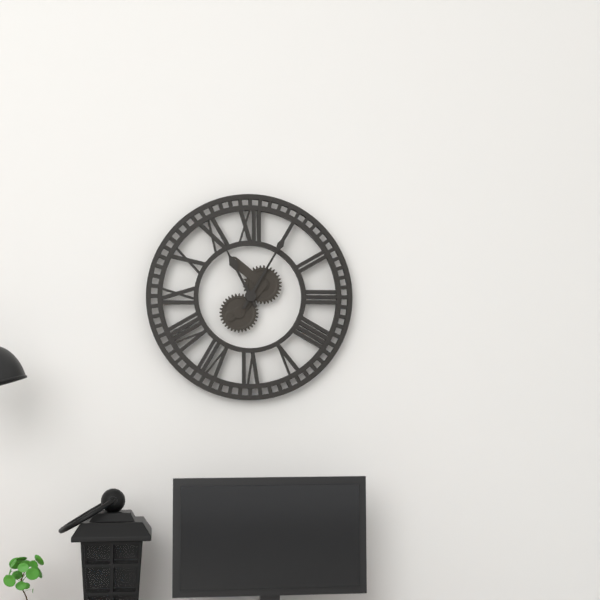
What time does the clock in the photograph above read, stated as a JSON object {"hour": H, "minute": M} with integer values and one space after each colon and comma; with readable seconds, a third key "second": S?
{"hour": 11, "minute": 5}
